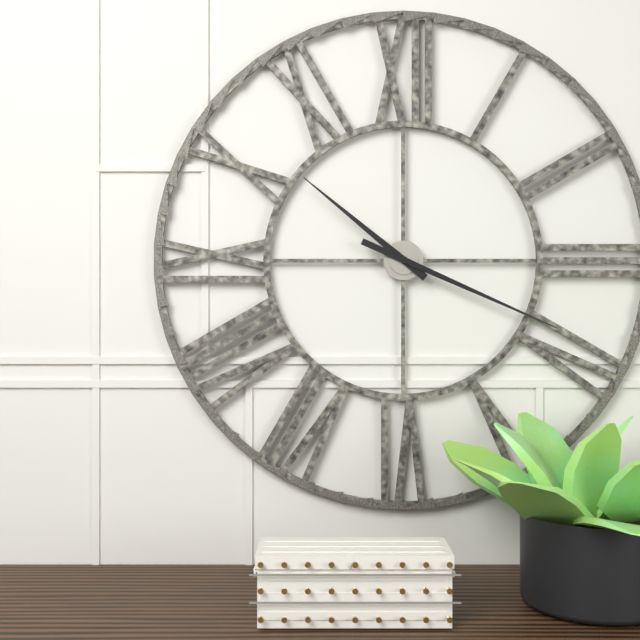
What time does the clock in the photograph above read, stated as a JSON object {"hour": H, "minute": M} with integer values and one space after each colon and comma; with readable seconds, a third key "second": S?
{"hour": 10, "minute": 19}
